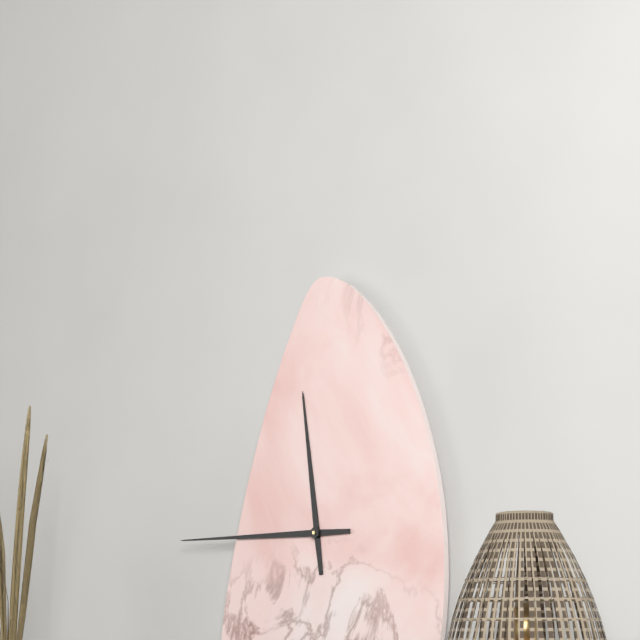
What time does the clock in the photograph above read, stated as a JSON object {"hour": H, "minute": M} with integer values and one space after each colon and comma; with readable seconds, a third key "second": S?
{"hour": 11, "minute": 45}
